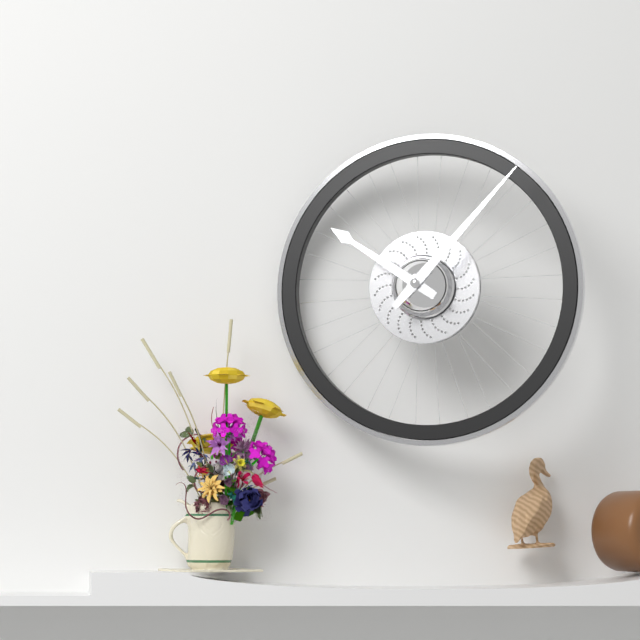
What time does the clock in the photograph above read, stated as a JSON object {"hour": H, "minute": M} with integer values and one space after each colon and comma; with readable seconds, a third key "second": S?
{"hour": 10, "minute": 7}
